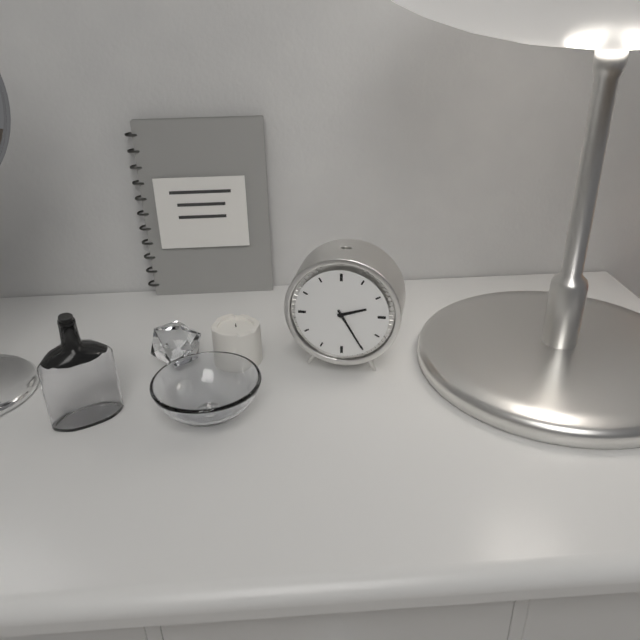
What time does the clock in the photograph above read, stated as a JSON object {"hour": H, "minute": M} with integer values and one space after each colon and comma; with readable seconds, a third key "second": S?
{"hour": 2, "minute": 25}
